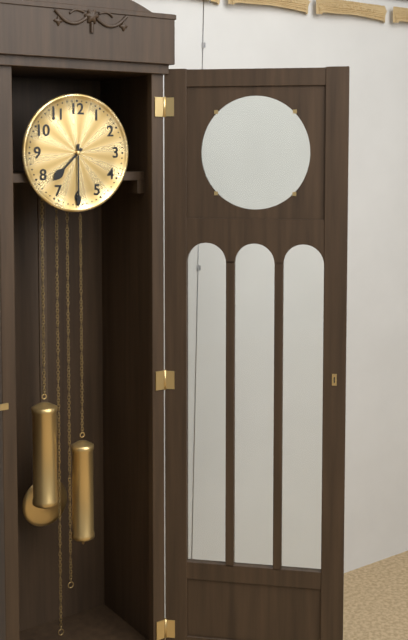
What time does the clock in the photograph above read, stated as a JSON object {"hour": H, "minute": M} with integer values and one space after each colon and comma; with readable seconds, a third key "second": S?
{"hour": 7, "minute": 30}
